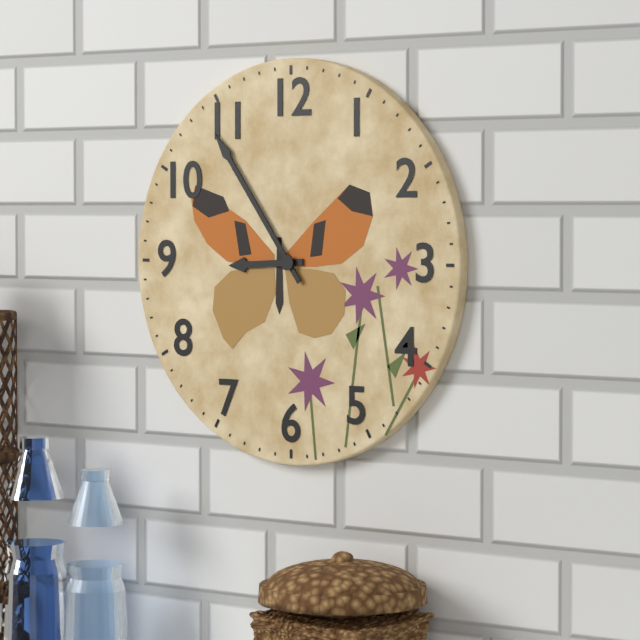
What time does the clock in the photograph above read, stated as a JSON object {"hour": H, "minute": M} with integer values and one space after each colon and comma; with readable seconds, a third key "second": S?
{"hour": 8, "minute": 54}
